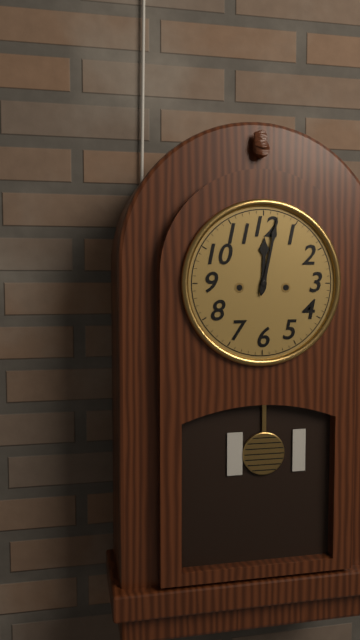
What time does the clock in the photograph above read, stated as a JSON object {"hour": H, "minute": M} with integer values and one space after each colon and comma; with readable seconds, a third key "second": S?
{"hour": 12, "minute": 2}
